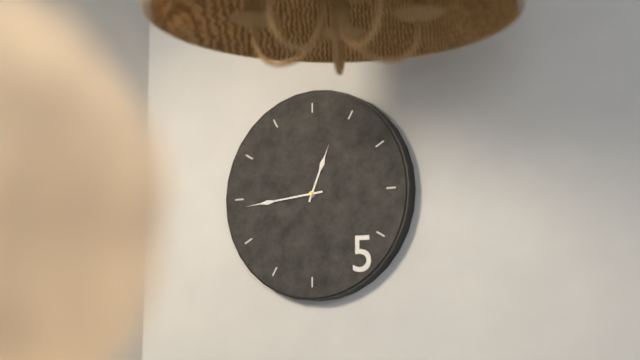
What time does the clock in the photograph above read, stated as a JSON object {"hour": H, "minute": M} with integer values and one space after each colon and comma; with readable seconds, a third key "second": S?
{"hour": 12, "minute": 44}
